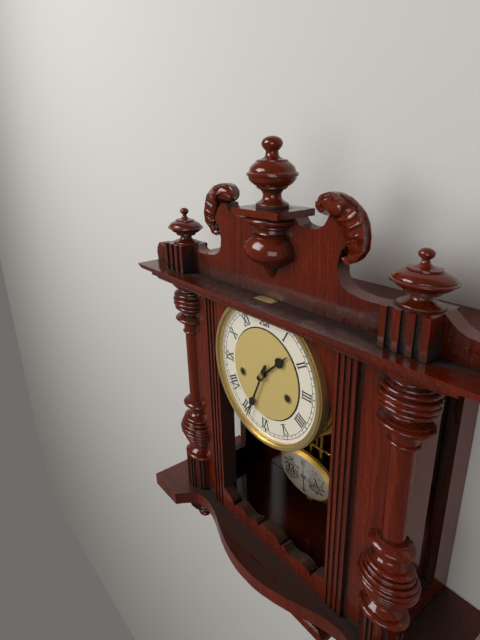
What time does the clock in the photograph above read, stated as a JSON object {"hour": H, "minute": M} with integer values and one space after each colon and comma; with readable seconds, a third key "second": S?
{"hour": 1, "minute": 34}
